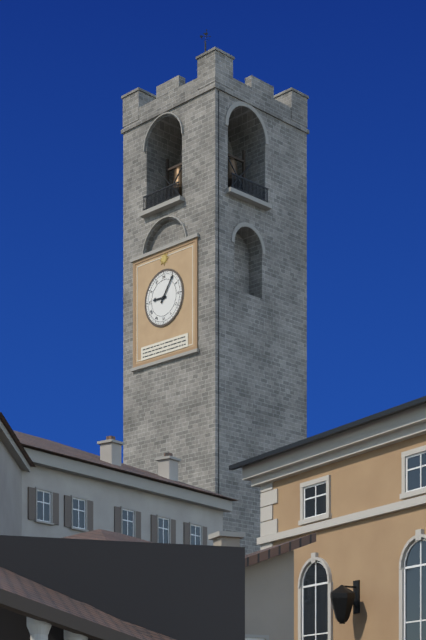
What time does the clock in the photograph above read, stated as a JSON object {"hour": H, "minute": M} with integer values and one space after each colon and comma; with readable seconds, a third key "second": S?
{"hour": 9, "minute": 6}
